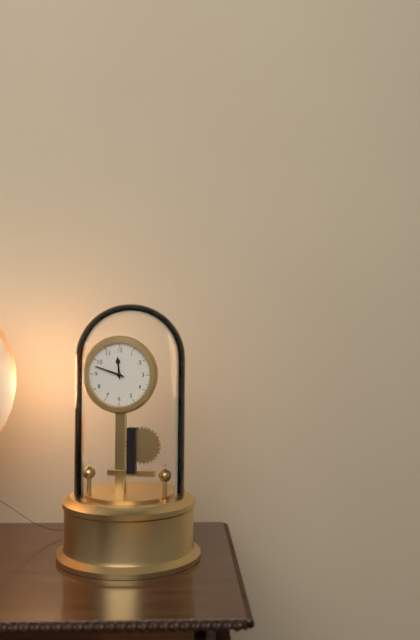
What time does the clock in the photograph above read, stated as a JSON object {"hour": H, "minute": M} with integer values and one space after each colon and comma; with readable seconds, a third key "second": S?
{"hour": 11, "minute": 48}
